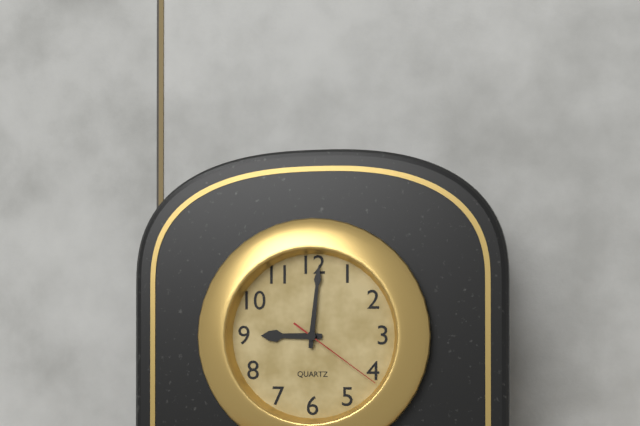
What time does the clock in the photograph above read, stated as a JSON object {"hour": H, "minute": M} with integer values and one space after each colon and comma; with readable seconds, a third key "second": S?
{"hour": 9, "minute": 1, "second": 21}
